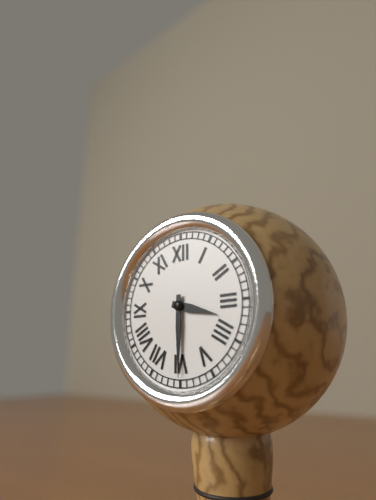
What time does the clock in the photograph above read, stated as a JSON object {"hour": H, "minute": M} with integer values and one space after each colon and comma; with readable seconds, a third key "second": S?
{"hour": 3, "minute": 30}
